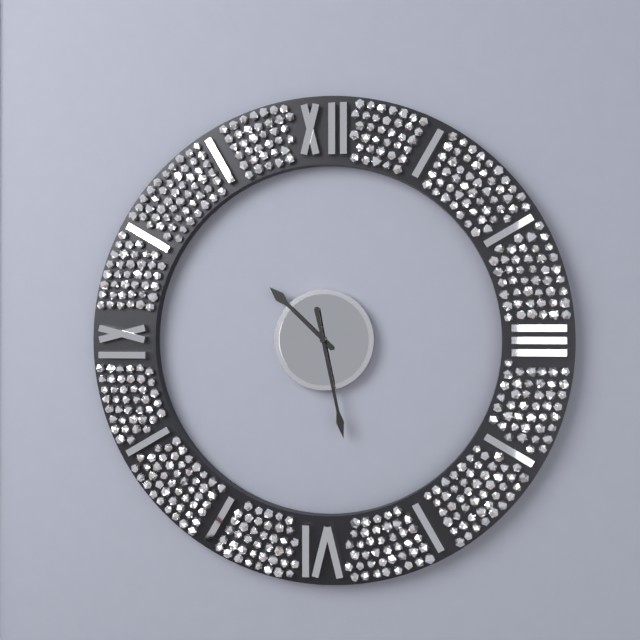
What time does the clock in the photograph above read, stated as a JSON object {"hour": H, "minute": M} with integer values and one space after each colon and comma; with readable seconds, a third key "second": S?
{"hour": 10, "minute": 28}
